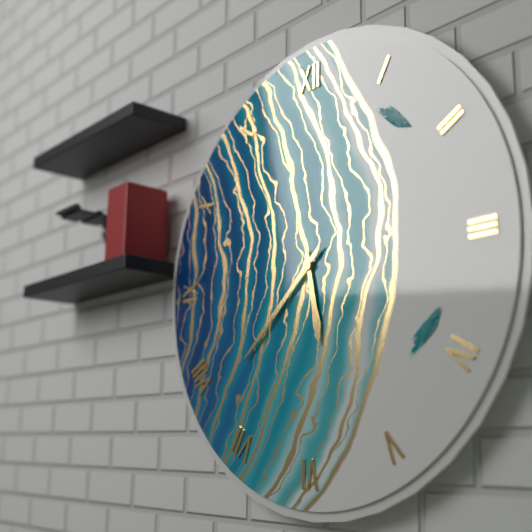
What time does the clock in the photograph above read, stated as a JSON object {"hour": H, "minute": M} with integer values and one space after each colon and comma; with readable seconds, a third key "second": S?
{"hour": 5, "minute": 38}
